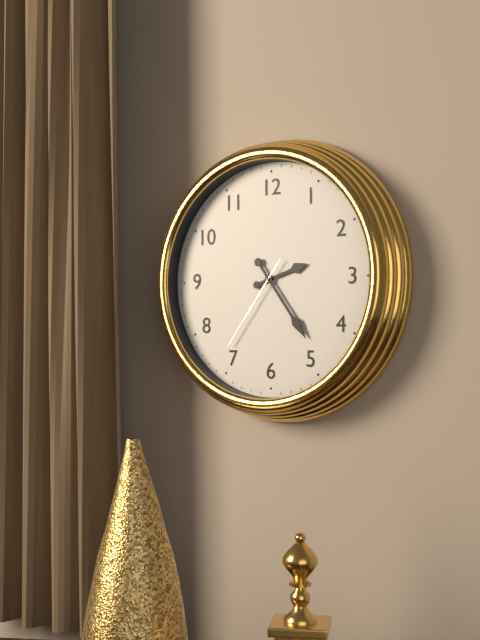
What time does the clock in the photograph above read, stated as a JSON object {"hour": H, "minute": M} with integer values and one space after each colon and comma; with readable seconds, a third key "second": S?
{"hour": 2, "minute": 24, "second": 36}
